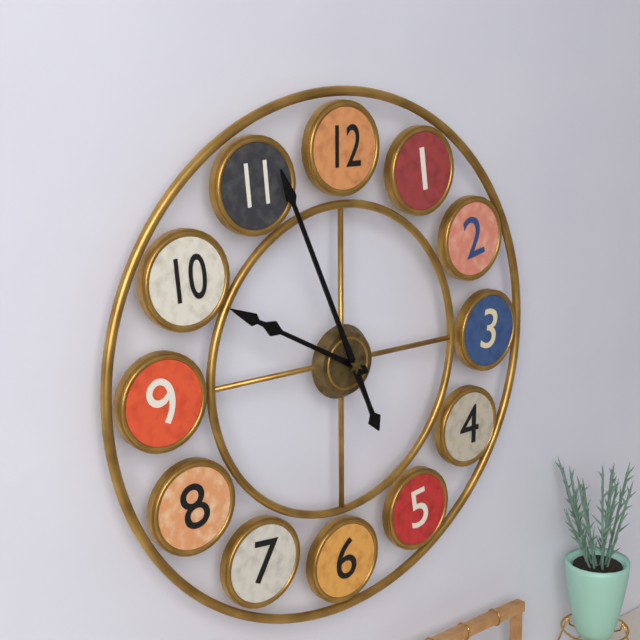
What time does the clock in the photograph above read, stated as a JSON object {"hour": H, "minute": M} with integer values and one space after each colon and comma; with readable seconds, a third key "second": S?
{"hour": 9, "minute": 56}
